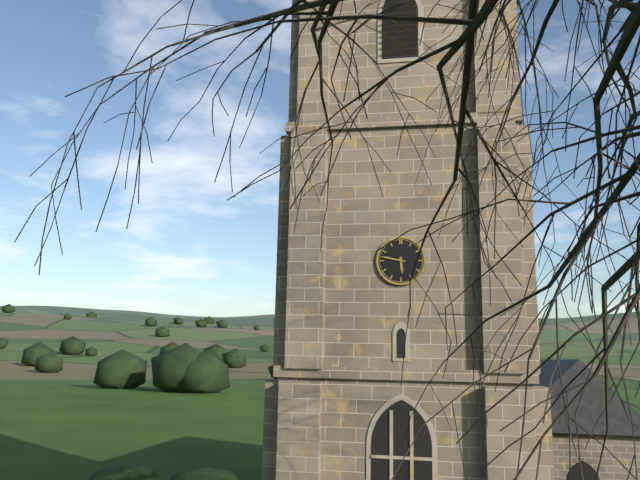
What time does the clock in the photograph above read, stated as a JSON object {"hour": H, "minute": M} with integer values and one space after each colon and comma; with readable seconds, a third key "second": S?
{"hour": 5, "minute": 47}
